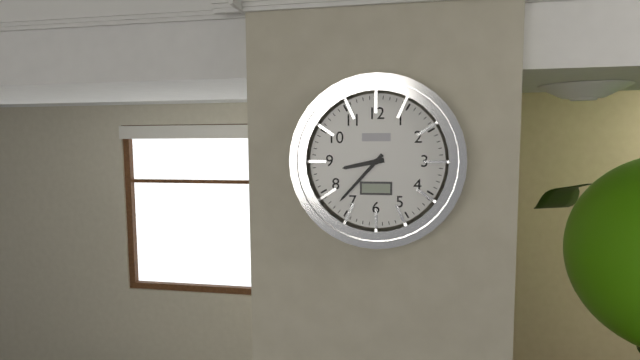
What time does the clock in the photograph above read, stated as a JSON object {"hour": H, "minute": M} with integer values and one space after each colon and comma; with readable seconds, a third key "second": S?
{"hour": 8, "minute": 37}
